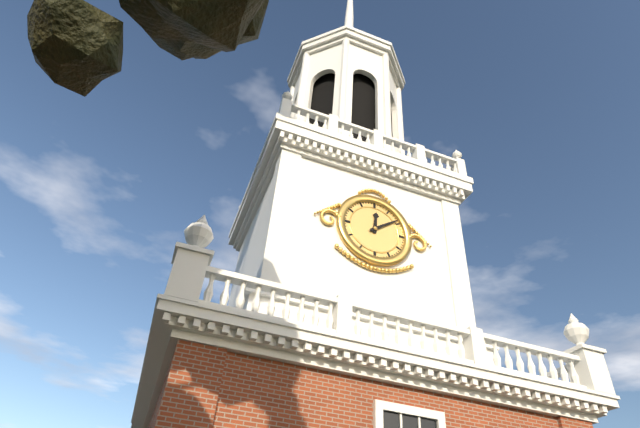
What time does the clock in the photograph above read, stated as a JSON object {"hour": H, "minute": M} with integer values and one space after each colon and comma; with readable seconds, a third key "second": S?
{"hour": 12, "minute": 9}
